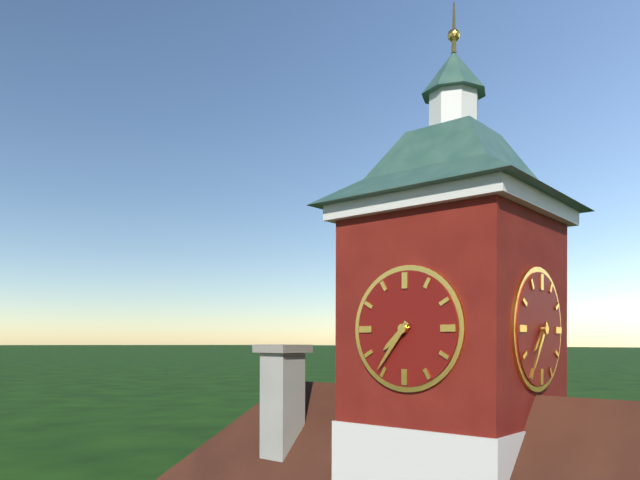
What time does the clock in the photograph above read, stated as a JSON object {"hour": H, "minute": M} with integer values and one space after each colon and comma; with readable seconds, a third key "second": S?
{"hour": 7, "minute": 36}
